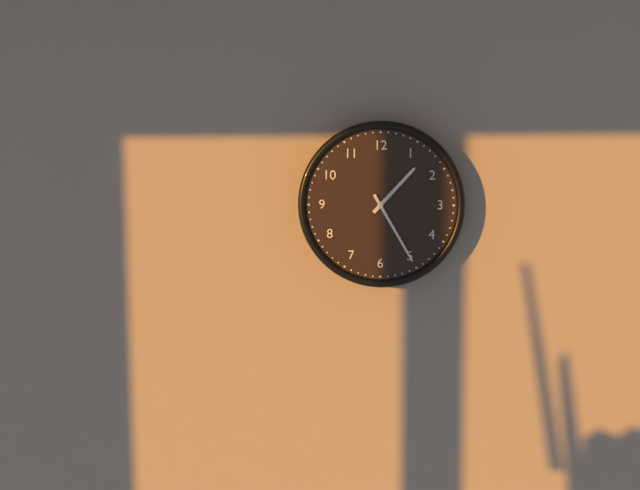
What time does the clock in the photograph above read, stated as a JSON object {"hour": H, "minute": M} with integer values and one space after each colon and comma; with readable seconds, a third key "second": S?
{"hour": 1, "minute": 25}
